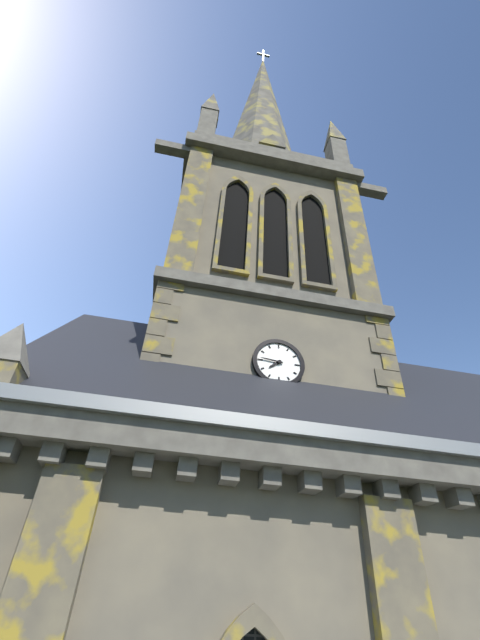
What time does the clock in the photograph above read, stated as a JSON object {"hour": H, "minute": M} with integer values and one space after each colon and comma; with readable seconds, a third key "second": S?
{"hour": 7, "minute": 46}
